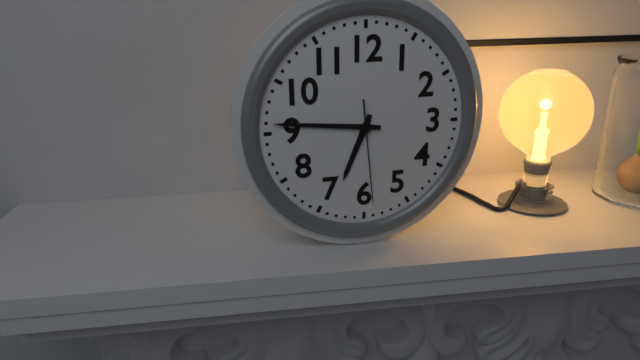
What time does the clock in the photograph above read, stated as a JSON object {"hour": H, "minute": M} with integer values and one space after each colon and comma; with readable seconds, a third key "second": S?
{"hour": 6, "minute": 46, "second": 29}
